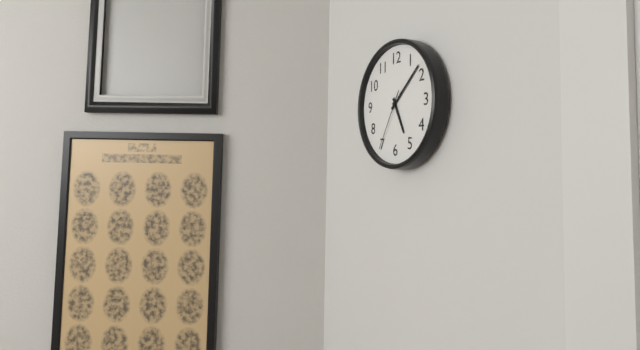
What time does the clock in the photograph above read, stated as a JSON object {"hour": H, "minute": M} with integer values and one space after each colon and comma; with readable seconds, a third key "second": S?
{"hour": 5, "minute": 8, "second": 35}
